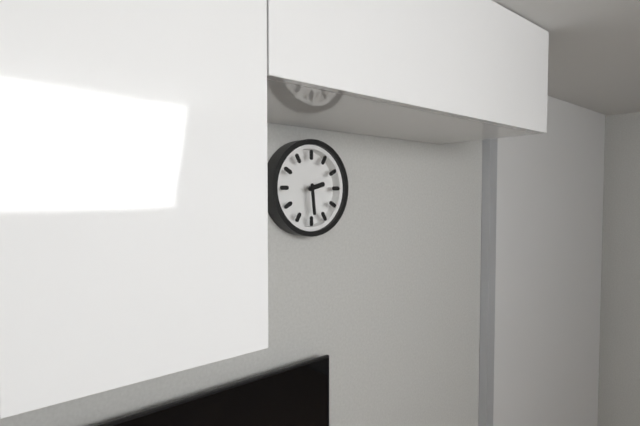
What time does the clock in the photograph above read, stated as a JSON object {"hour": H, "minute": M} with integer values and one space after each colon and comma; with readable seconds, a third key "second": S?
{"hour": 2, "minute": 29}
